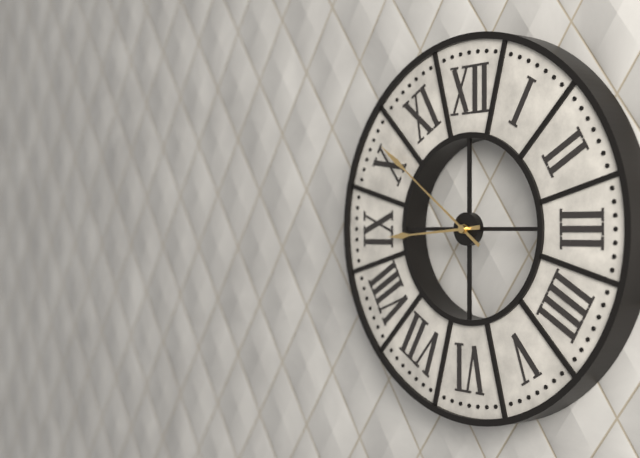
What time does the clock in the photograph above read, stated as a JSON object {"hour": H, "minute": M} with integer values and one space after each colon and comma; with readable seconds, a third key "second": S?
{"hour": 8, "minute": 51}
